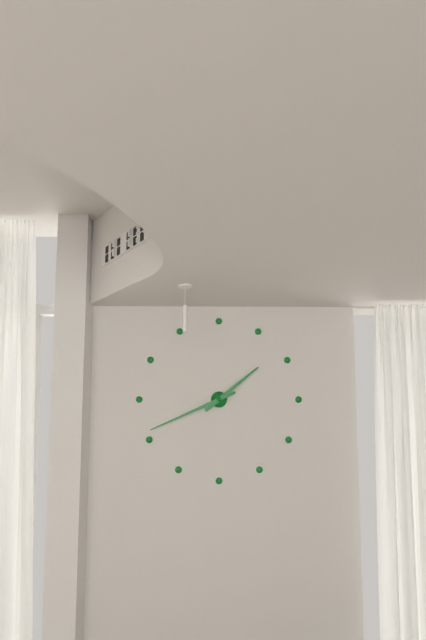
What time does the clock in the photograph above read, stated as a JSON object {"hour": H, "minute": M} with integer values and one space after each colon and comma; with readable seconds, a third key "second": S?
{"hour": 1, "minute": 41}
